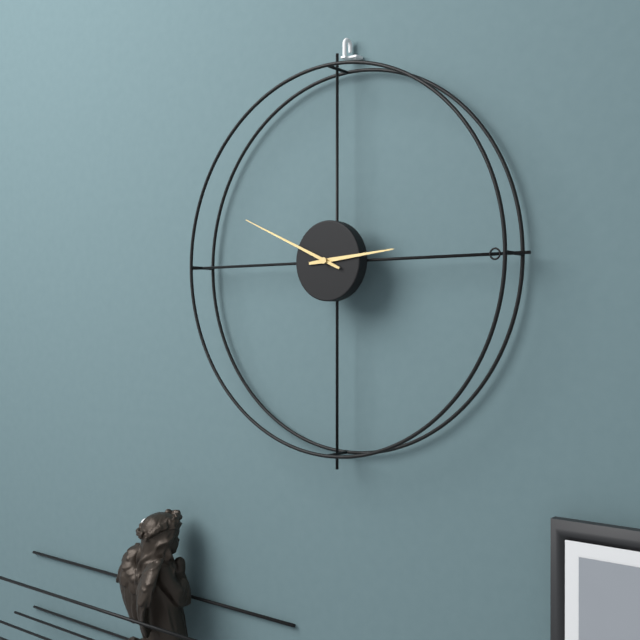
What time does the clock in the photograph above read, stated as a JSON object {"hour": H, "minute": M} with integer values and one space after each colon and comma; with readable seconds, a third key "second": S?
{"hour": 2, "minute": 49}
